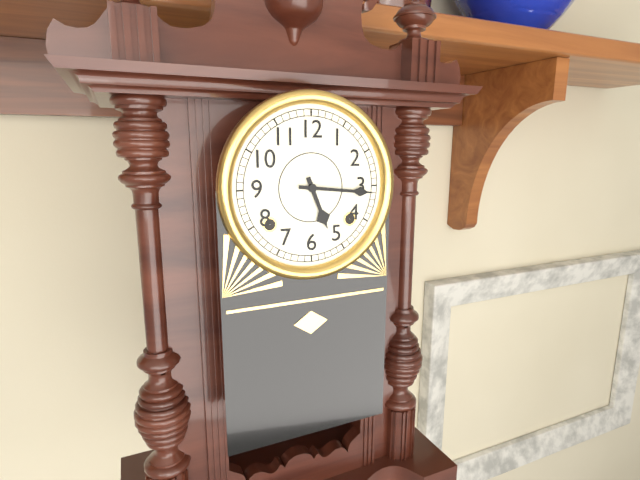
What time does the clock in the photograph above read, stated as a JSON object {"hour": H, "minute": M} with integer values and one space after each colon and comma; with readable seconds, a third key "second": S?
{"hour": 5, "minute": 16}
